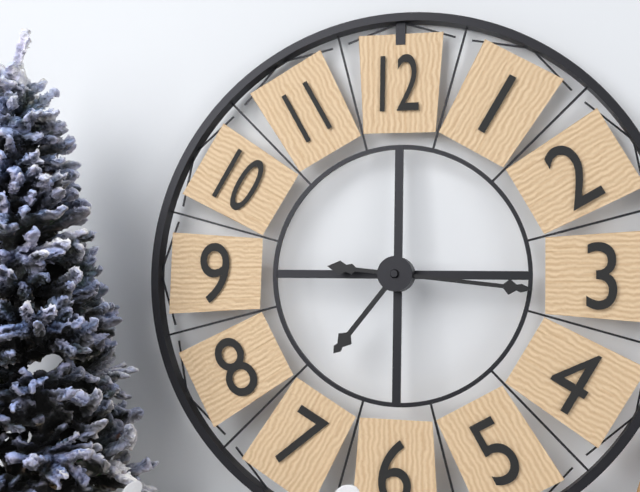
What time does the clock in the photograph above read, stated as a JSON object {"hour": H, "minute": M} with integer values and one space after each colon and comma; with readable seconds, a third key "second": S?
{"hour": 7, "minute": 16}
